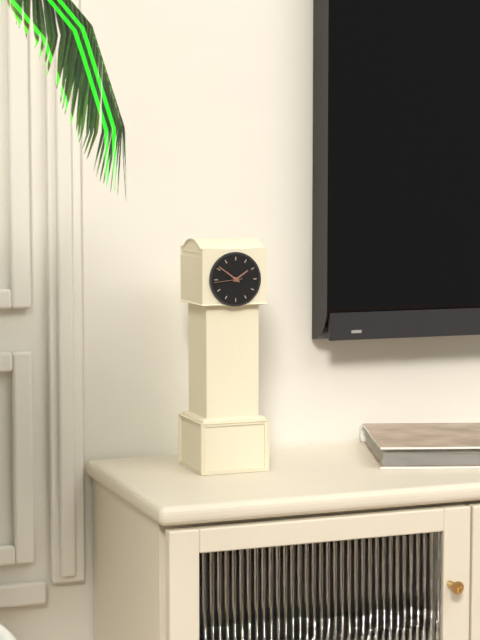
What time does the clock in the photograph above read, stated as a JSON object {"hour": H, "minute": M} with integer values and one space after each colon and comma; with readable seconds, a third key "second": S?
{"hour": 1, "minute": 51}
